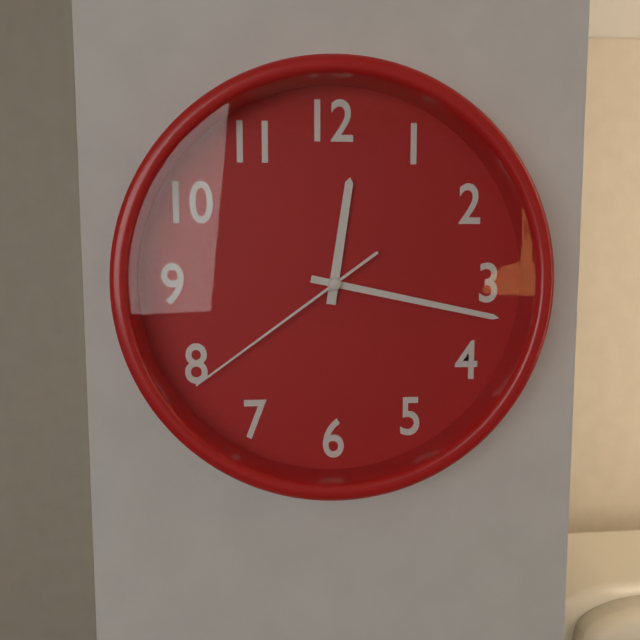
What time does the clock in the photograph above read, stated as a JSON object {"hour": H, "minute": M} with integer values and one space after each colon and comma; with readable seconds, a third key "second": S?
{"hour": 12, "minute": 17, "second": 39}
